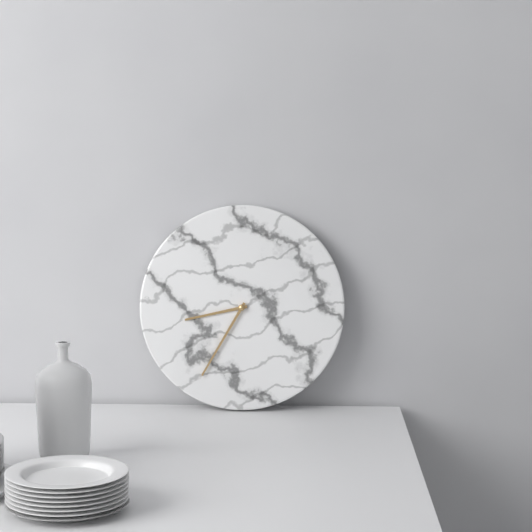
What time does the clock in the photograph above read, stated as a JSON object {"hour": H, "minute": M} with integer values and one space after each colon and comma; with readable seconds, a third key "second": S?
{"hour": 8, "minute": 35}
